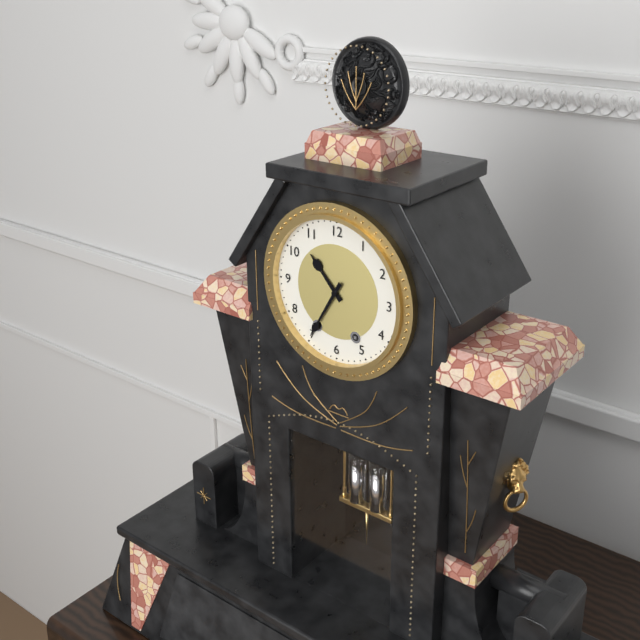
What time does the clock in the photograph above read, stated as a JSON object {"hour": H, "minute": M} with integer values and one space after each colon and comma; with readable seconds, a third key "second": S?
{"hour": 10, "minute": 35}
